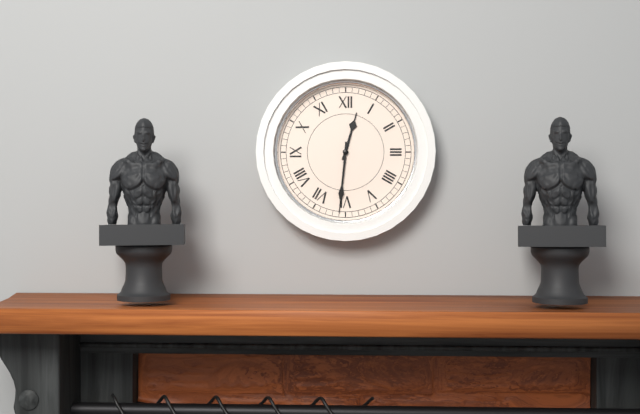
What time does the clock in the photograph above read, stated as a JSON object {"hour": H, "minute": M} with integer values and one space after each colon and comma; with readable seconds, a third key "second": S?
{"hour": 12, "minute": 31}
